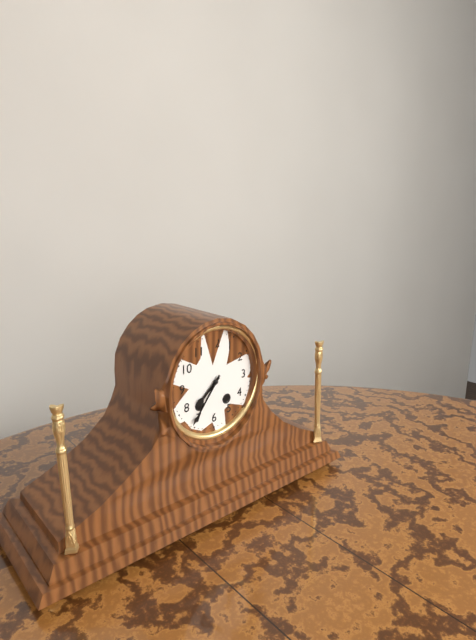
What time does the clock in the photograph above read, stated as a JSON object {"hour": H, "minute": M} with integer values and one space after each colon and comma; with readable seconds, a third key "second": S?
{"hour": 7, "minute": 36}
